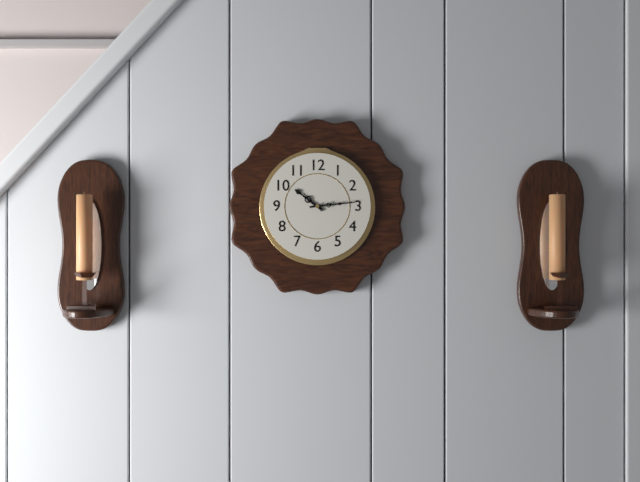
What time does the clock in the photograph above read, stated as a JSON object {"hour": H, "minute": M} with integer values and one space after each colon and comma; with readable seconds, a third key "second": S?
{"hour": 10, "minute": 14}
